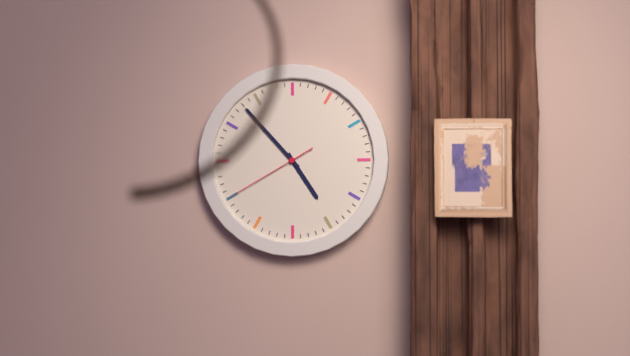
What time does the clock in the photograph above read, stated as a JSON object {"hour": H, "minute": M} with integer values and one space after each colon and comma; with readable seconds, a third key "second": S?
{"hour": 4, "minute": 53, "second": 40}
